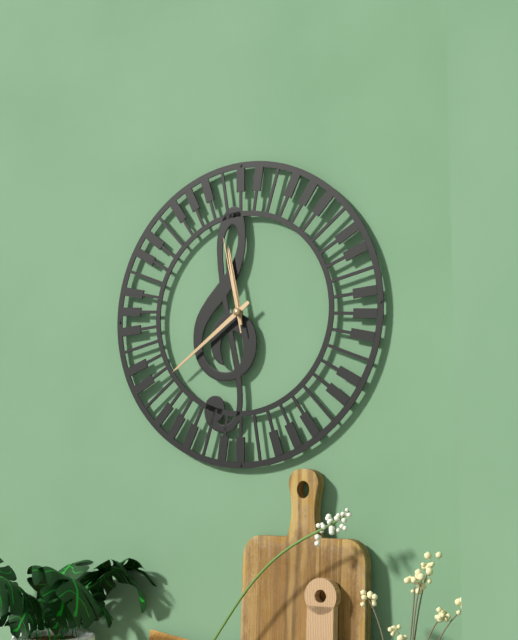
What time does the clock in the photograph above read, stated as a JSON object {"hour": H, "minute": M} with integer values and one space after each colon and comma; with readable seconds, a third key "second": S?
{"hour": 11, "minute": 39, "second": 58}
